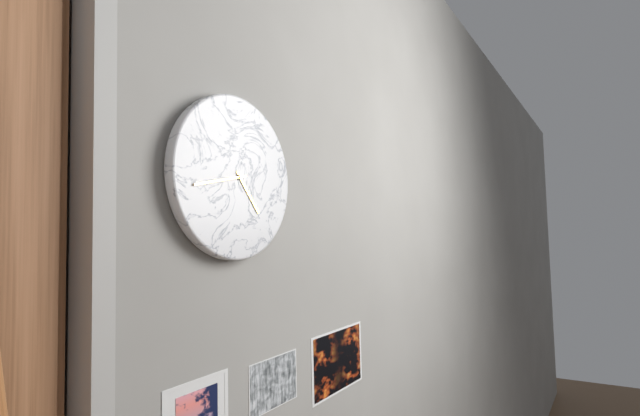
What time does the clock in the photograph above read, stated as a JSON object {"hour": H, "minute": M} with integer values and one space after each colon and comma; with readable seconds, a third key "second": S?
{"hour": 4, "minute": 43}
